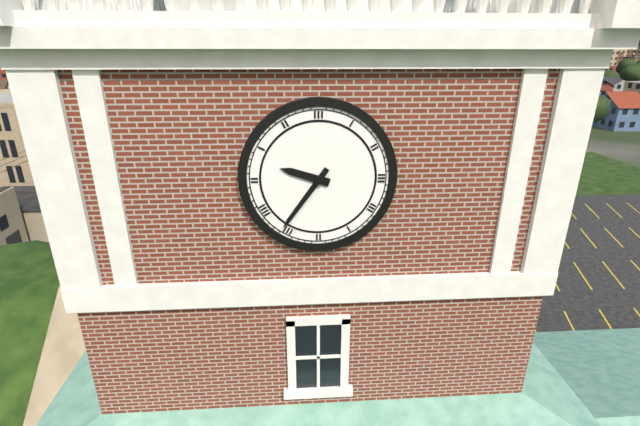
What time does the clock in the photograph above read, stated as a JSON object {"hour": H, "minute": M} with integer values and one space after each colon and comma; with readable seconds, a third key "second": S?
{"hour": 9, "minute": 36}
